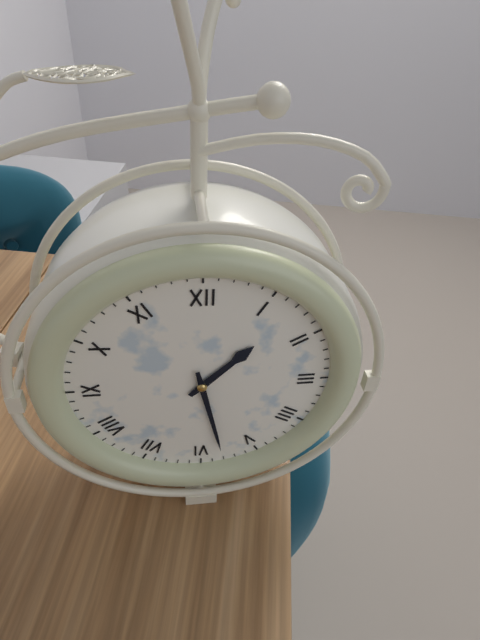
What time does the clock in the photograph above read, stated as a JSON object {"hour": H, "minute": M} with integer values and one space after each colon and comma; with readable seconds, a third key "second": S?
{"hour": 1, "minute": 28}
